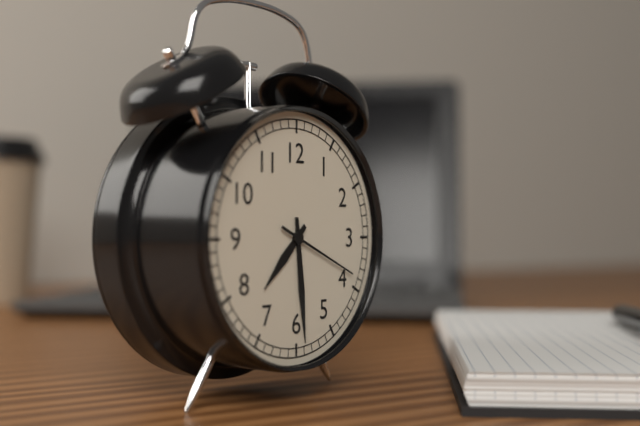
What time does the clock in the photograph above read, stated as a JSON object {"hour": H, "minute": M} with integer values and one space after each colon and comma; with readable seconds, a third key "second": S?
{"hour": 7, "minute": 29, "second": 19}
